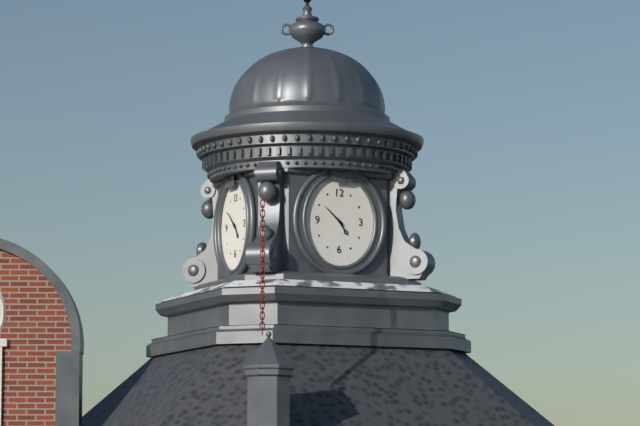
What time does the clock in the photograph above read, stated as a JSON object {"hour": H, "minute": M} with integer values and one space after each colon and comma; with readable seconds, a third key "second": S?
{"hour": 4, "minute": 52}
